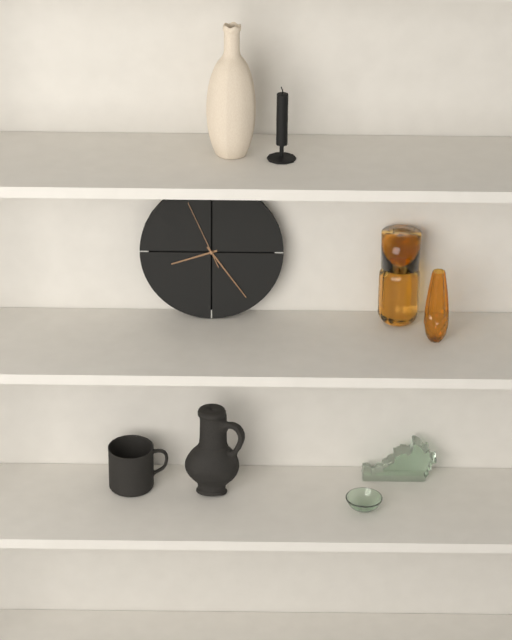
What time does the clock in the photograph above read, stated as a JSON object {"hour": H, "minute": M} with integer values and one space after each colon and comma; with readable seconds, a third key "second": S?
{"hour": 8, "minute": 24, "second": 56}
